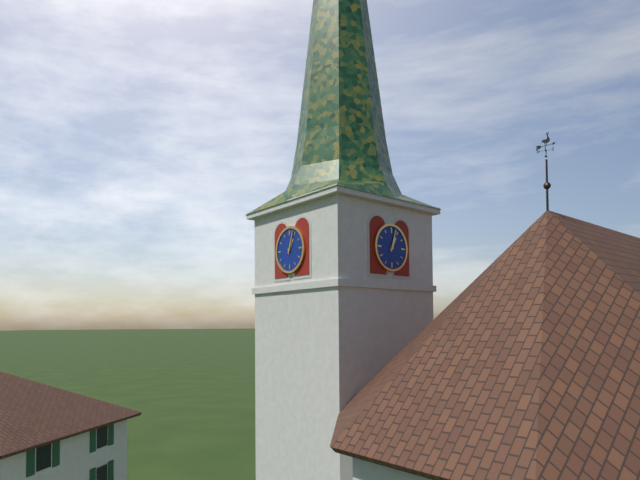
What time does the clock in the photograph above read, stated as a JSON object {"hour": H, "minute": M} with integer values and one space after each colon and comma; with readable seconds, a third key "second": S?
{"hour": 1, "minute": 3}
